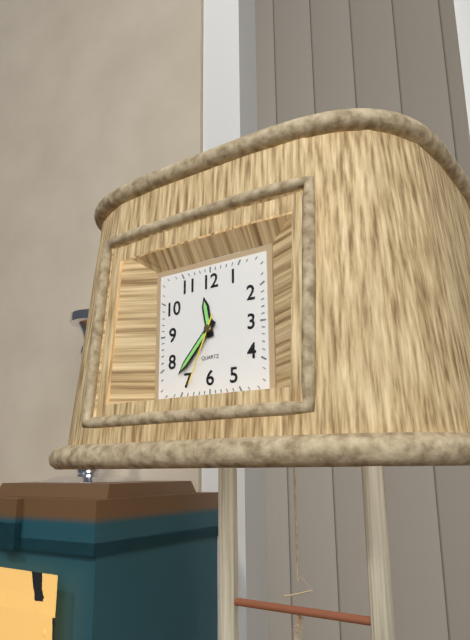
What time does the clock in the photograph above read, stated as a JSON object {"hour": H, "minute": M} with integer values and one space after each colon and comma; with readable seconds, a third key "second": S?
{"hour": 11, "minute": 37, "second": 34}
